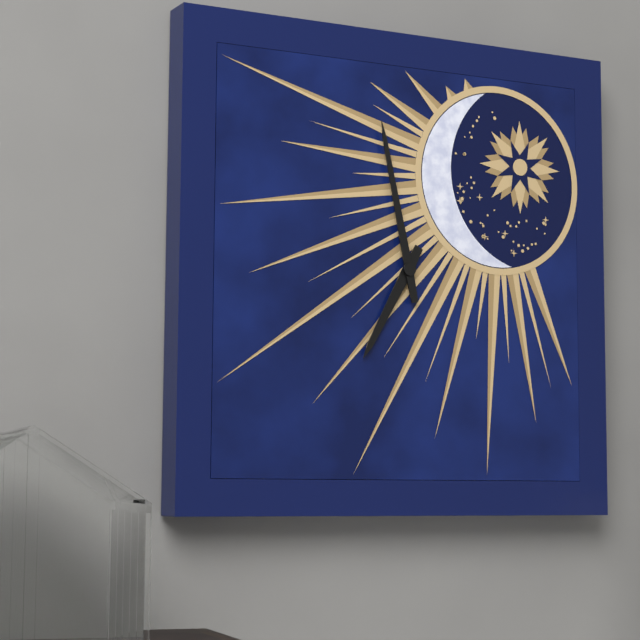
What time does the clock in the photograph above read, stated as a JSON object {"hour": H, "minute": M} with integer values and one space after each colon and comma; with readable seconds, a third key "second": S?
{"hour": 6, "minute": 58}
